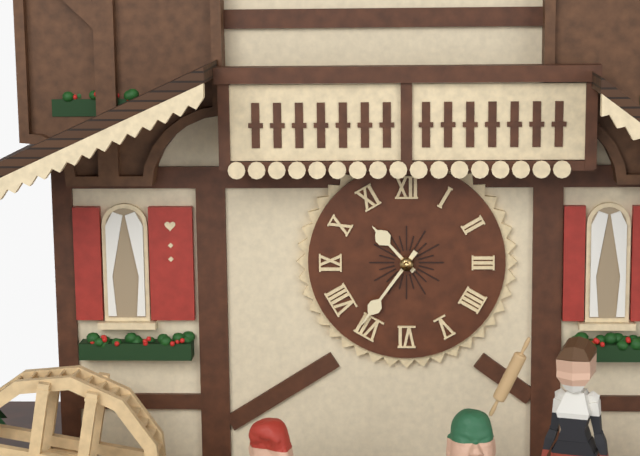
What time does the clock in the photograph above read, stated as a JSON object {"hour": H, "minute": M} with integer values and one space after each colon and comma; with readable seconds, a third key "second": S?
{"hour": 10, "minute": 36}
